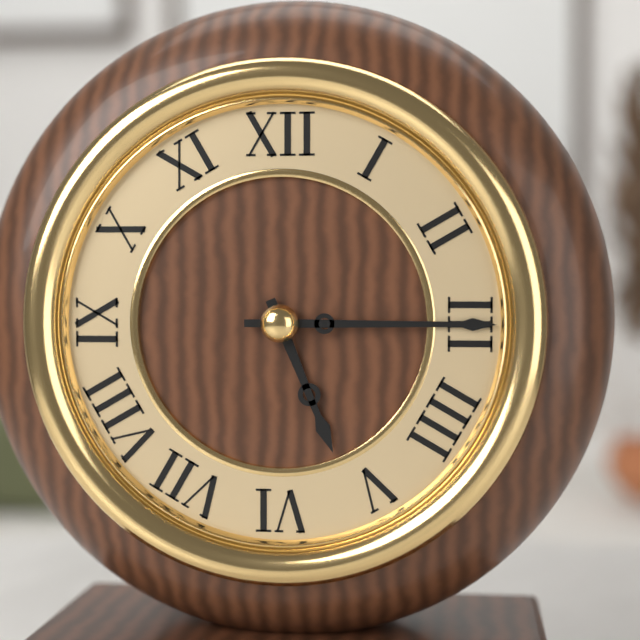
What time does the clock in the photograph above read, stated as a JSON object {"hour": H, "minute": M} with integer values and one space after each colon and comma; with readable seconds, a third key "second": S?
{"hour": 5, "minute": 15}
